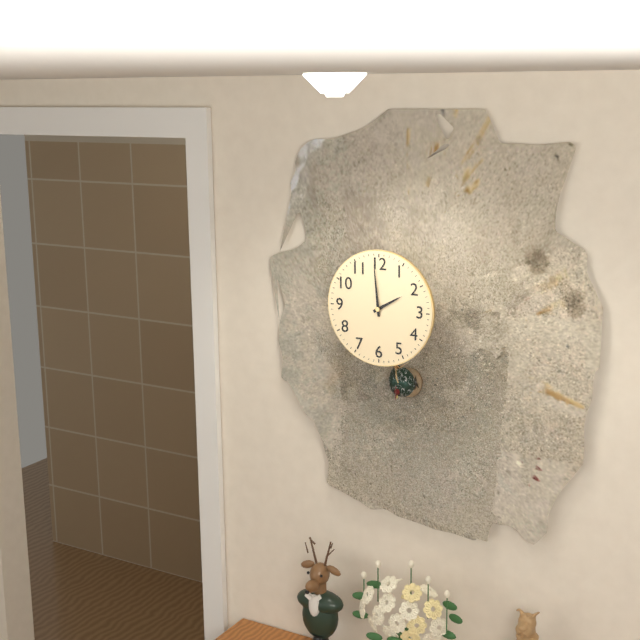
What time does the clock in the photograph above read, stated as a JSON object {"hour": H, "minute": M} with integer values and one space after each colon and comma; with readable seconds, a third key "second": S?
{"hour": 1, "minute": 59}
